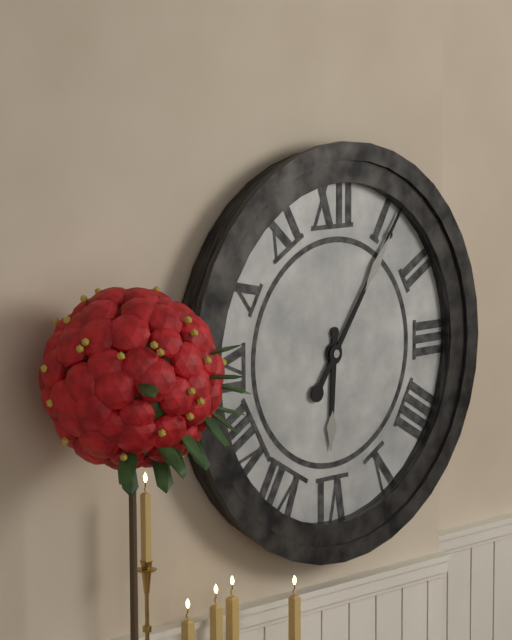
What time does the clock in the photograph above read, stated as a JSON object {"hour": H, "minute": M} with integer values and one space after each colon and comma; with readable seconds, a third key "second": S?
{"hour": 6, "minute": 6}
